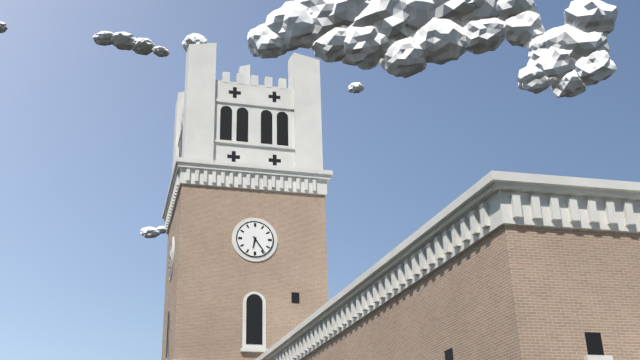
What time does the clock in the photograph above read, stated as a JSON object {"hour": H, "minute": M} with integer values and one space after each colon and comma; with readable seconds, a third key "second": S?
{"hour": 6, "minute": 24}
